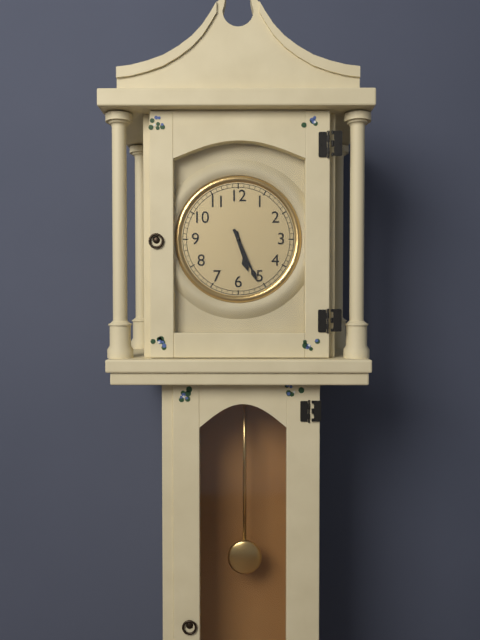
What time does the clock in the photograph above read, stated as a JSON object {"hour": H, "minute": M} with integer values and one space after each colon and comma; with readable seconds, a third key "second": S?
{"hour": 5, "minute": 26}
